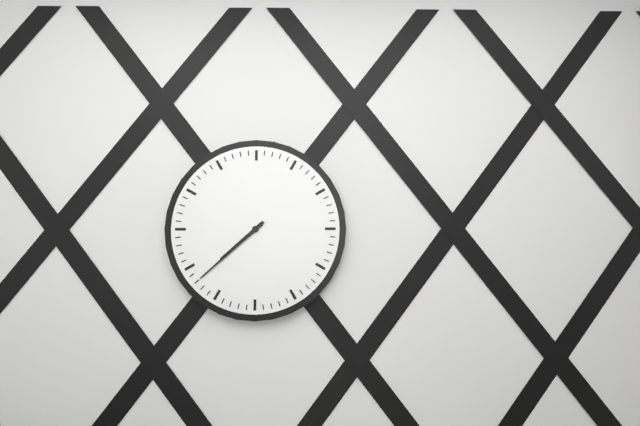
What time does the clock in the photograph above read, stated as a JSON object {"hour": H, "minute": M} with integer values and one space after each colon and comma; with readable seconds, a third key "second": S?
{"hour": 7, "minute": 38}
